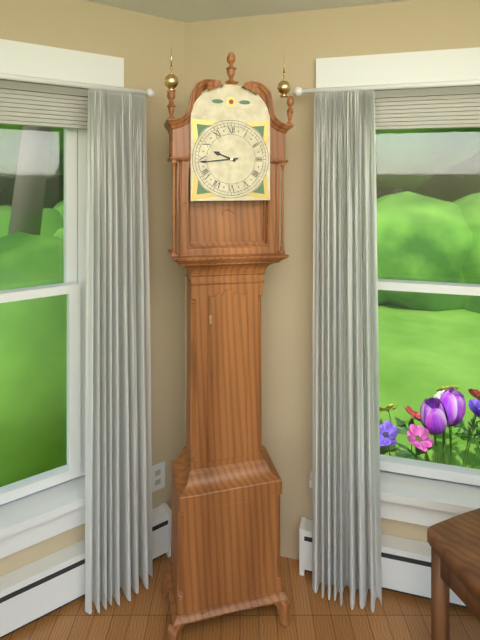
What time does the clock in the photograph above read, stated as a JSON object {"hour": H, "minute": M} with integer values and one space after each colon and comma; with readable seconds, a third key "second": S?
{"hour": 9, "minute": 44}
